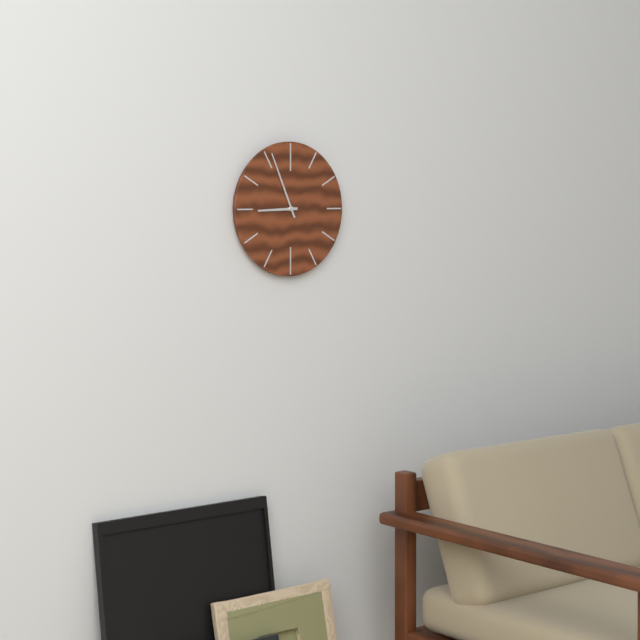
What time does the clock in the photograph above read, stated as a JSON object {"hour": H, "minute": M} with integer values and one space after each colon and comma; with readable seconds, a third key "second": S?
{"hour": 8, "minute": 56}
